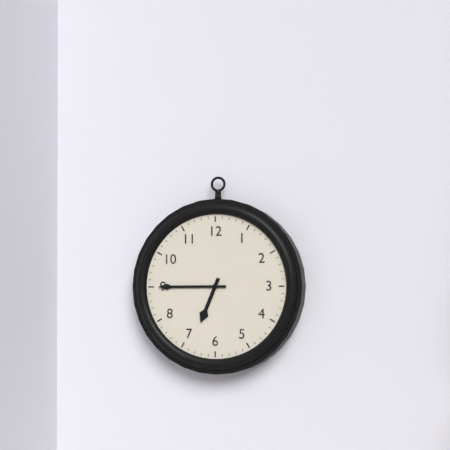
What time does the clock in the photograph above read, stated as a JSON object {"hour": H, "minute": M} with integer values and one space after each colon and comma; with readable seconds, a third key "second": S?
{"hour": 6, "minute": 45}
